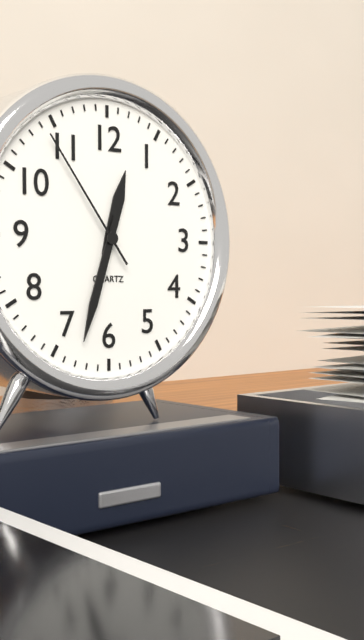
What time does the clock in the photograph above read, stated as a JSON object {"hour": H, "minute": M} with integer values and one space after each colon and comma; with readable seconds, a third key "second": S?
{"hour": 12, "minute": 33, "second": 54}
